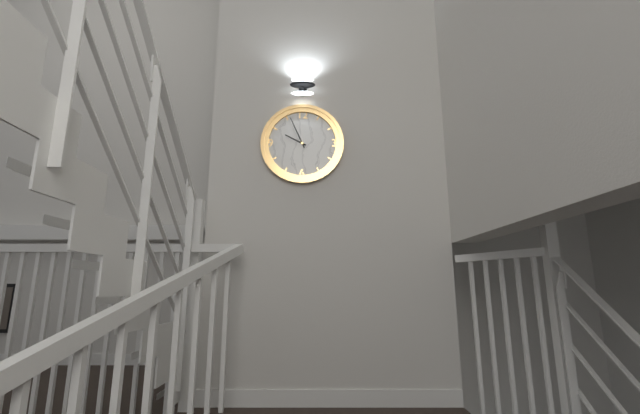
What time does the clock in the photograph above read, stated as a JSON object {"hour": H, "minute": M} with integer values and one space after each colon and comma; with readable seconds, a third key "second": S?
{"hour": 9, "minute": 56}
